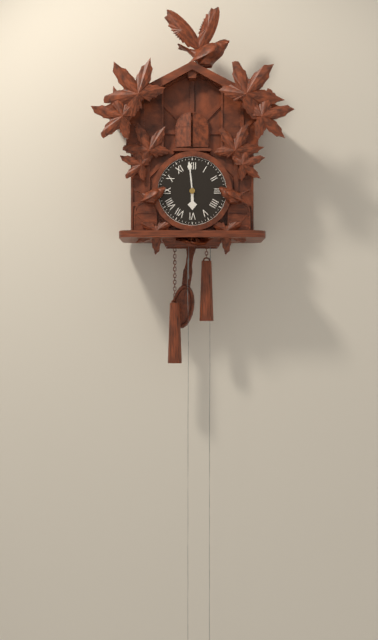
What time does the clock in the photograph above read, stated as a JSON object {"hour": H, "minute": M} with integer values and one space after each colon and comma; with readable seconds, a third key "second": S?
{"hour": 5, "minute": 59}
